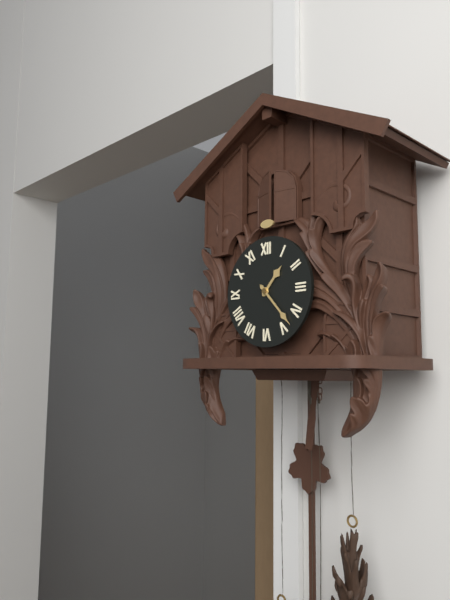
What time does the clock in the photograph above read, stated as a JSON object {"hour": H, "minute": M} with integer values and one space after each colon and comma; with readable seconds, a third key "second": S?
{"hour": 1, "minute": 23}
